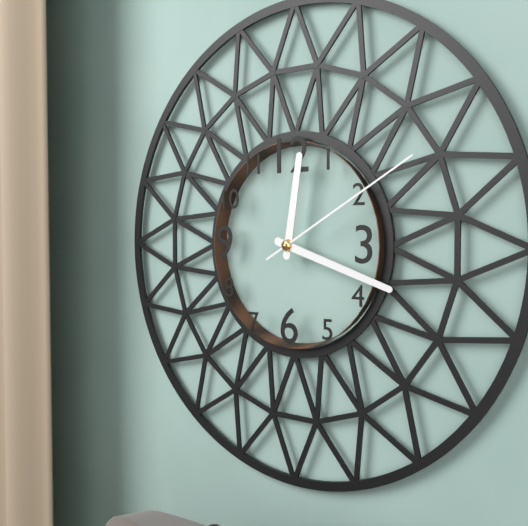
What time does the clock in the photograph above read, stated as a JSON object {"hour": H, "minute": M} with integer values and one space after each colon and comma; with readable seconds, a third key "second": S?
{"hour": 12, "minute": 18, "second": 10}
